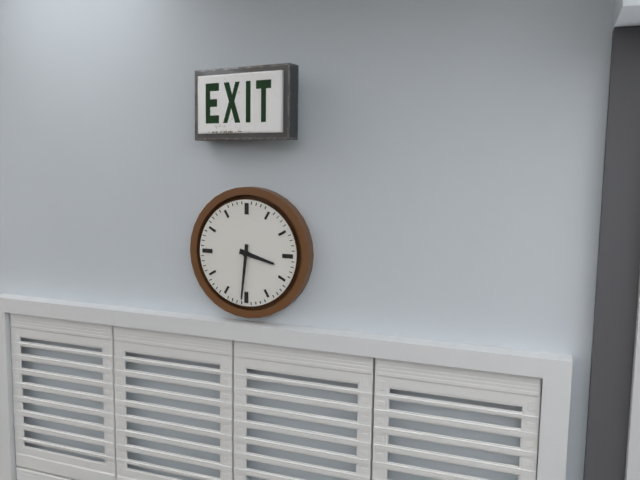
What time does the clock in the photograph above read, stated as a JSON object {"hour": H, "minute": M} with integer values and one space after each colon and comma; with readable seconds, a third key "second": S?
{"hour": 3, "minute": 31}
